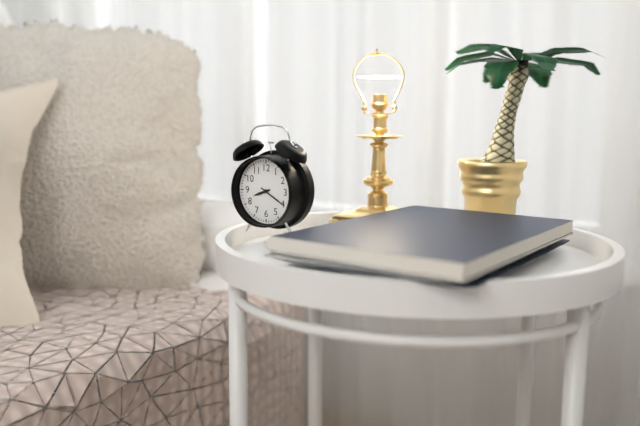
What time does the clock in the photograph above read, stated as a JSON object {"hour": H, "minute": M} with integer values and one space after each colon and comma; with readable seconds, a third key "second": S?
{"hour": 8, "minute": 20}
